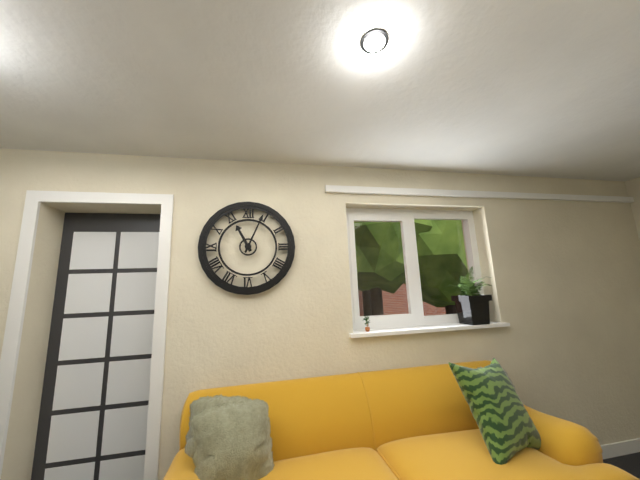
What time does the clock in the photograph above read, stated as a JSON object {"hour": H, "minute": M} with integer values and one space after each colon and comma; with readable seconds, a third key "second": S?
{"hour": 11, "minute": 4}
